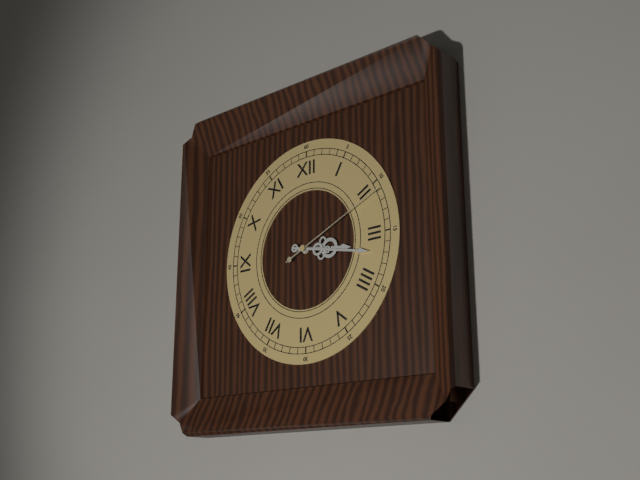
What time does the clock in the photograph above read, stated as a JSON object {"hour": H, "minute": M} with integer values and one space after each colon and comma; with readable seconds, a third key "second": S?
{"hour": 3, "minute": 17, "second": 11}
